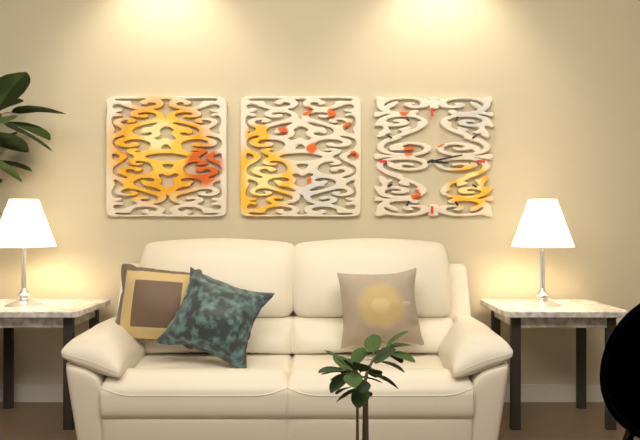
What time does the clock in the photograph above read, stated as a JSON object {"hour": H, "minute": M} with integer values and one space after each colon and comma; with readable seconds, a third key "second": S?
{"hour": 3, "minute": 13}
